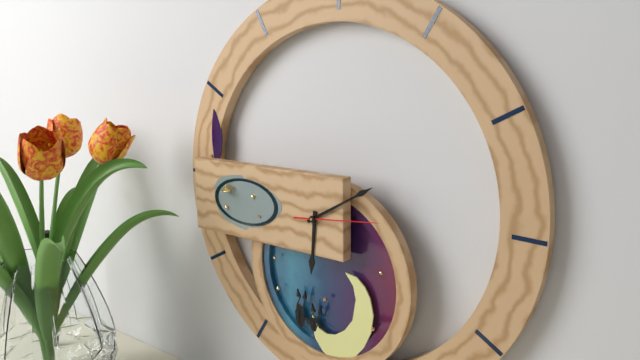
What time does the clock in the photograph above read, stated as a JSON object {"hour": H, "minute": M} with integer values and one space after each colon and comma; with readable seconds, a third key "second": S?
{"hour": 6, "minute": 10}
